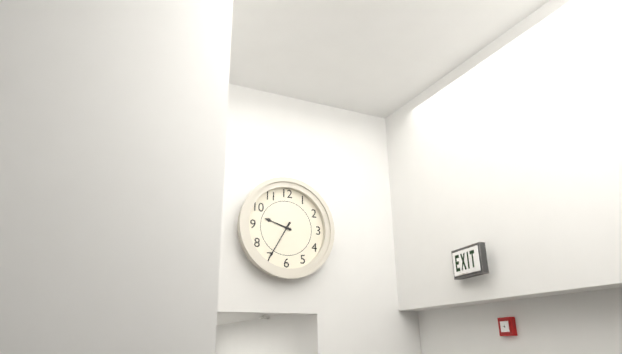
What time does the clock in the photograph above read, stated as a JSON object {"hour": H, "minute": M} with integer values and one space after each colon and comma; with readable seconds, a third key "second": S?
{"hour": 9, "minute": 35}
